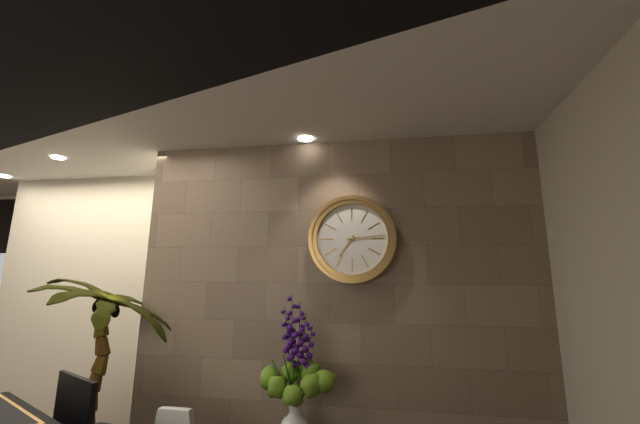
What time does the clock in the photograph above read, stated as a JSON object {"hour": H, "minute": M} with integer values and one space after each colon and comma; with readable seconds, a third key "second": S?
{"hour": 7, "minute": 14}
